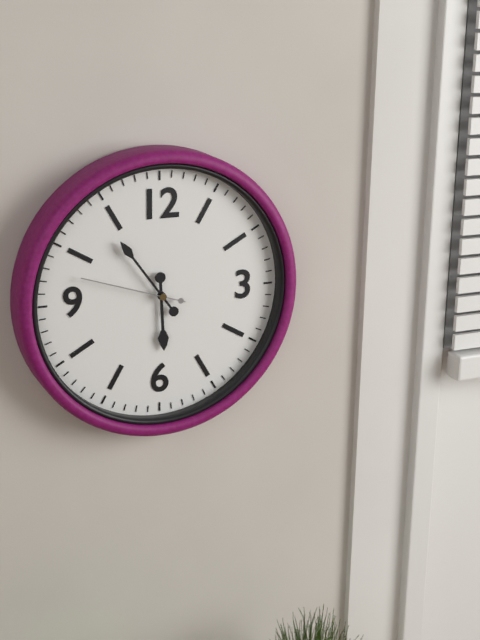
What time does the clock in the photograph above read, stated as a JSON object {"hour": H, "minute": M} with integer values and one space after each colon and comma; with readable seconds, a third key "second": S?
{"hour": 5, "minute": 54, "second": 48}
